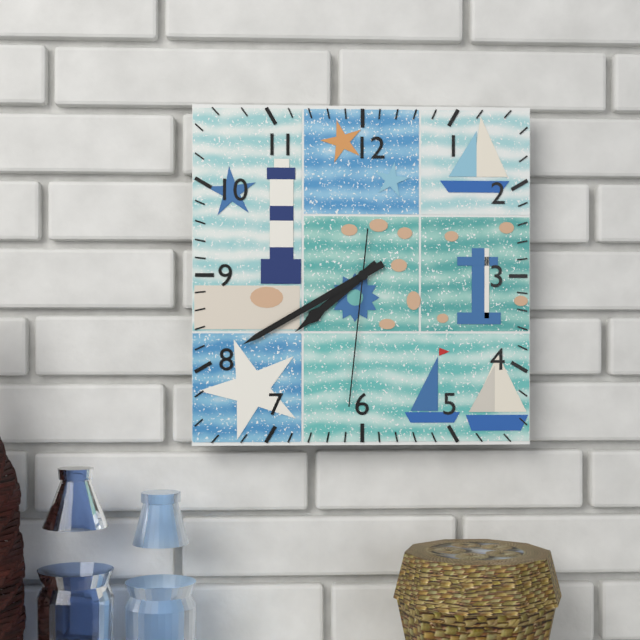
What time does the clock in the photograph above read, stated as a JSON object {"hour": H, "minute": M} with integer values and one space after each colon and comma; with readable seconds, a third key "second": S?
{"hour": 7, "minute": 40, "second": 31}
